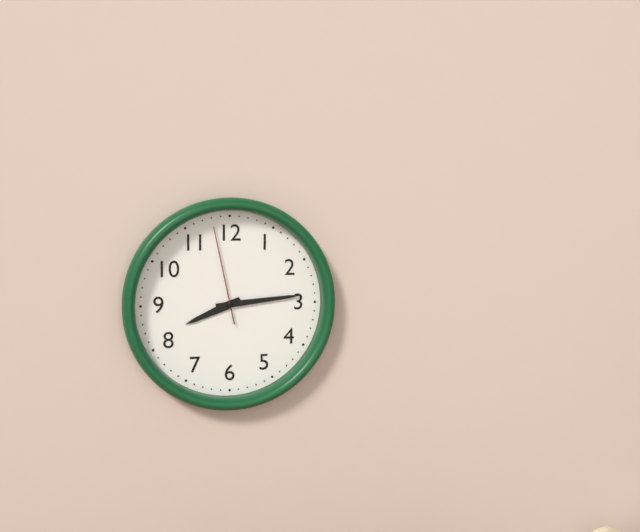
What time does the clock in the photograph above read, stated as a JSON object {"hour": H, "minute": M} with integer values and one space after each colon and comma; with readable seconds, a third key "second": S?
{"hour": 8, "minute": 14, "second": 58}
